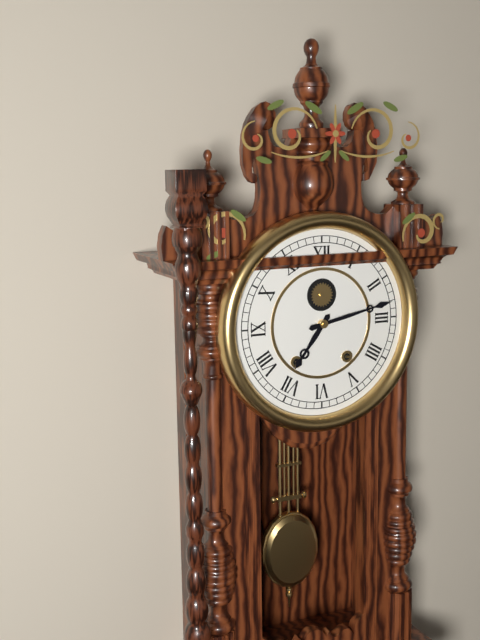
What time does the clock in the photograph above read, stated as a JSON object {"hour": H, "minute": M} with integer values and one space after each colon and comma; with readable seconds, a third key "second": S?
{"hour": 7, "minute": 13}
